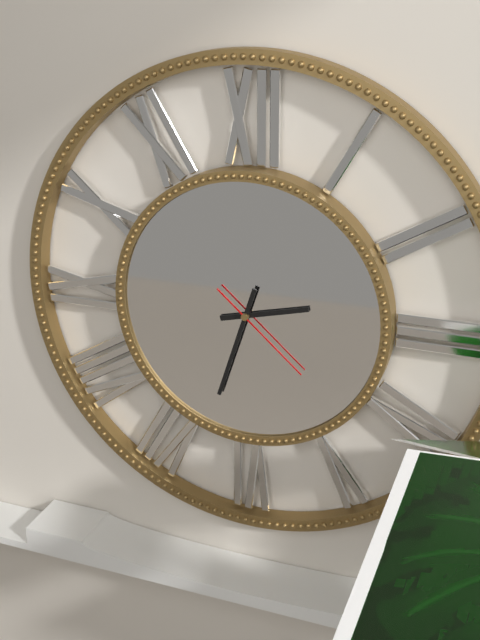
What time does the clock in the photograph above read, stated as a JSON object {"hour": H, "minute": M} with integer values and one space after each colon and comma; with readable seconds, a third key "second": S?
{"hour": 2, "minute": 33, "second": 22}
